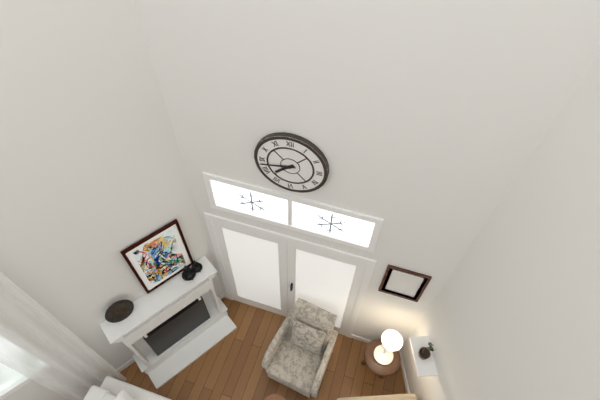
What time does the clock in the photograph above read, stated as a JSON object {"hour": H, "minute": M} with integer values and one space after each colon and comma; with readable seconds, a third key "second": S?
{"hour": 7, "minute": 43}
